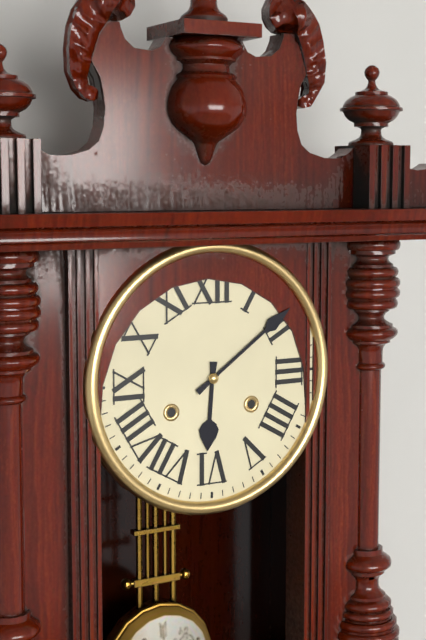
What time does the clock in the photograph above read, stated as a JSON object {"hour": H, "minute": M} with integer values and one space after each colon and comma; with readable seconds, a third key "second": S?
{"hour": 6, "minute": 9}
